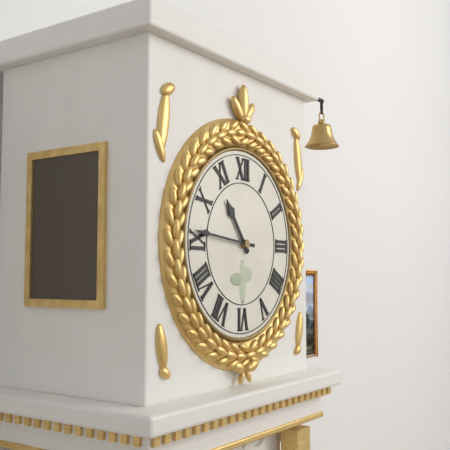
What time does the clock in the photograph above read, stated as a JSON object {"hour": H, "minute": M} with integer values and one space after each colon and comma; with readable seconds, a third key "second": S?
{"hour": 10, "minute": 46}
